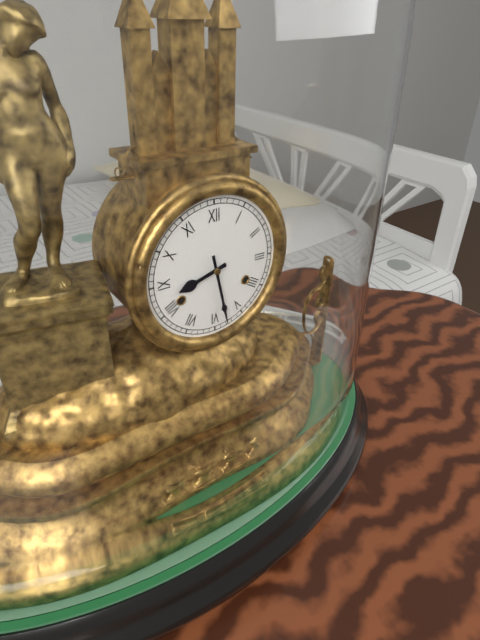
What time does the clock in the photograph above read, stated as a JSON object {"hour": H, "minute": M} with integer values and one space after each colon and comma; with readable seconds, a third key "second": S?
{"hour": 8, "minute": 28}
